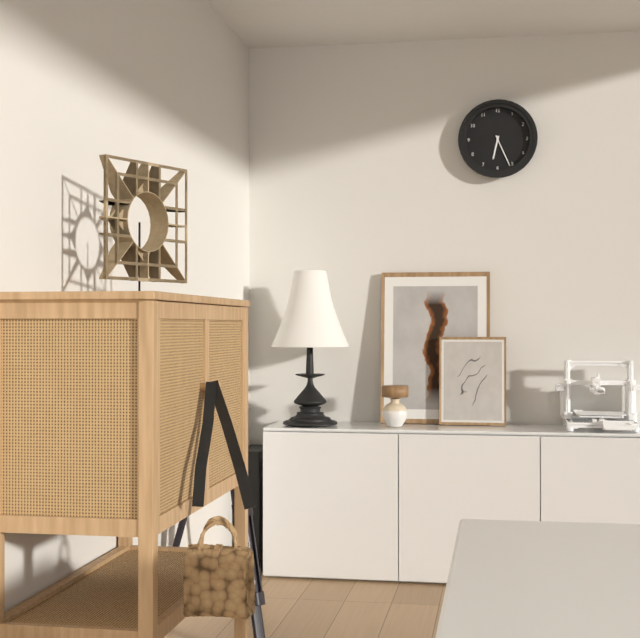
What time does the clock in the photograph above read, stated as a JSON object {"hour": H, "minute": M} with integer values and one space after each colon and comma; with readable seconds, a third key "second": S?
{"hour": 6, "minute": 26}
